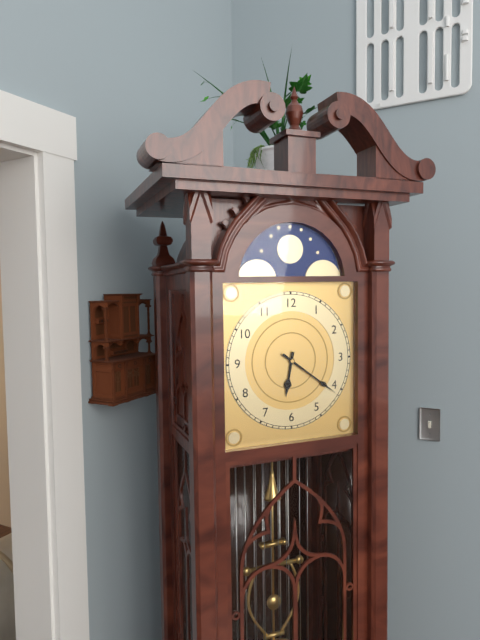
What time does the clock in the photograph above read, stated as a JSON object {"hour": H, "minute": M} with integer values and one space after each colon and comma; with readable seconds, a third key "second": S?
{"hour": 6, "minute": 21}
